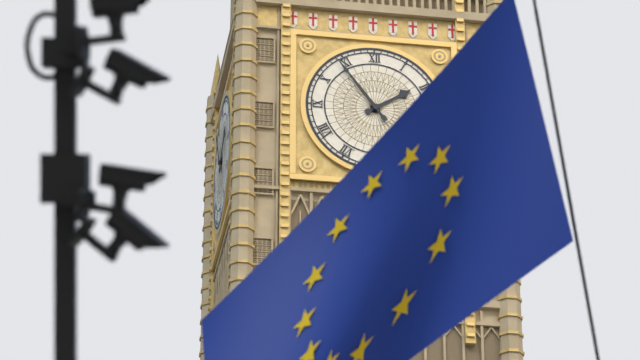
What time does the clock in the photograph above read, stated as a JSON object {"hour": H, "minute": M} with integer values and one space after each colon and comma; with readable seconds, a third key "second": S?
{"hour": 1, "minute": 54}
